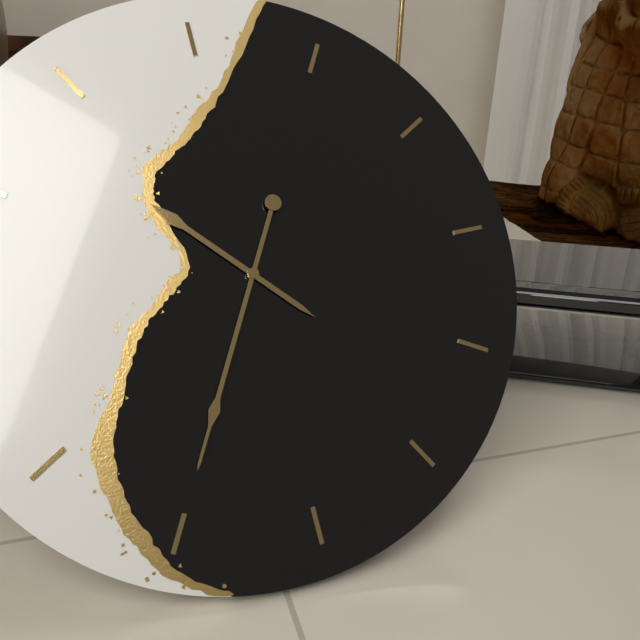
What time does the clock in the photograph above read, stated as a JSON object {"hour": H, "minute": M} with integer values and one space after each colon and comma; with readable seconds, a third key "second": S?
{"hour": 10, "minute": 35}
